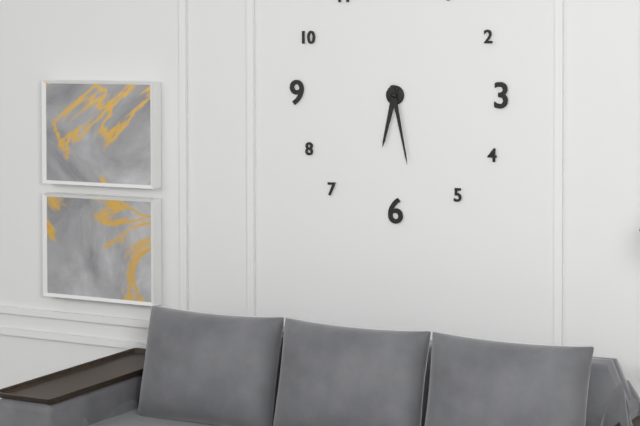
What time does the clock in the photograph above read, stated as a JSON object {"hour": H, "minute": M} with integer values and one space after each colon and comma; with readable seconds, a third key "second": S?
{"hour": 6, "minute": 28}
